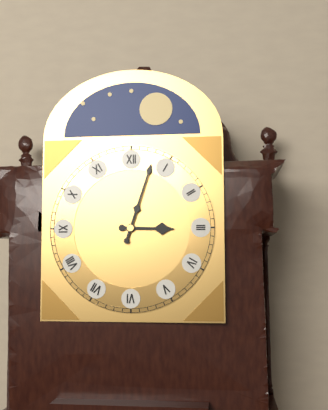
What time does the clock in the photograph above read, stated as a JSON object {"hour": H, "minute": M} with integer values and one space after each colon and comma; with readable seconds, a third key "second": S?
{"hour": 3, "minute": 3}
